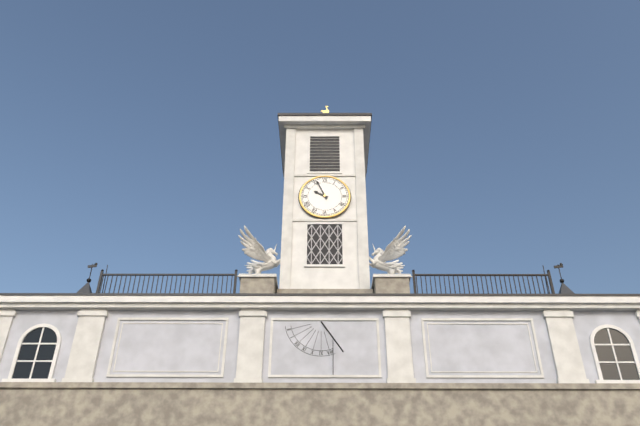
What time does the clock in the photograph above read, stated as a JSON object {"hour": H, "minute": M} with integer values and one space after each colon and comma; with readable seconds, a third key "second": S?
{"hour": 9, "minute": 56}
